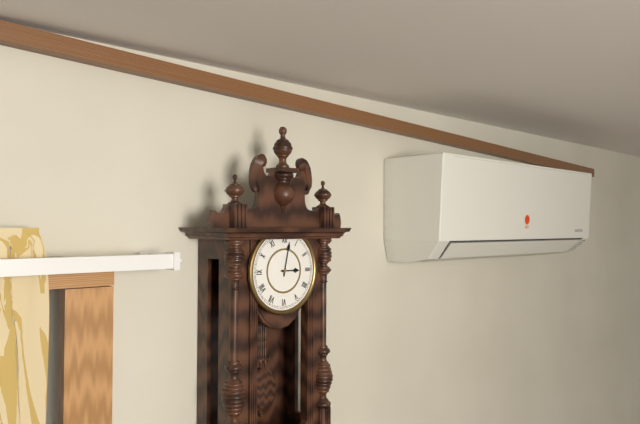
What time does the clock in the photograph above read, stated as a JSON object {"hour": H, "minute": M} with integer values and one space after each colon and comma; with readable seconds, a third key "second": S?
{"hour": 3, "minute": 2}
